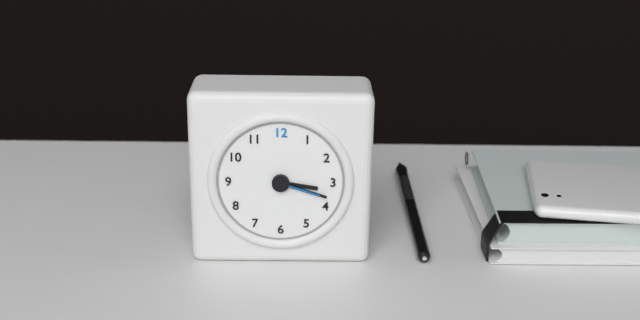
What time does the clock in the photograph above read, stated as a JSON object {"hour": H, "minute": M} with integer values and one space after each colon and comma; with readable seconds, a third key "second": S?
{"hour": 3, "minute": 18, "second": 18}
